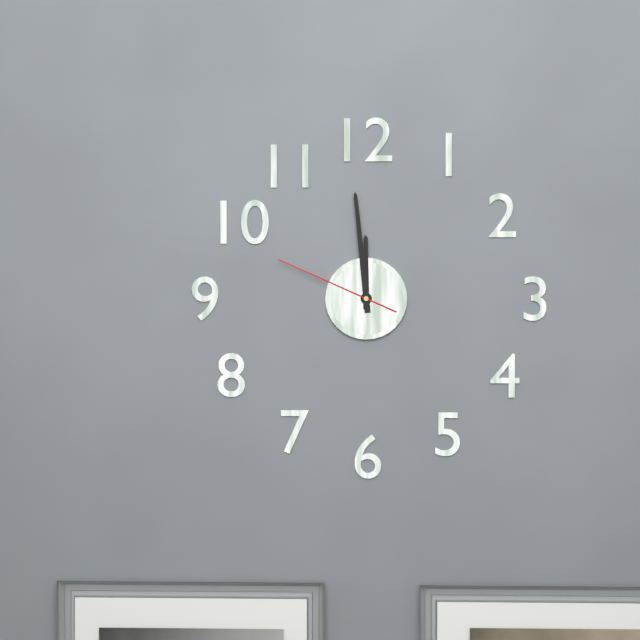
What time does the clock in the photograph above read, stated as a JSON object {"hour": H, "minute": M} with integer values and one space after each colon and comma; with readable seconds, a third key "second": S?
{"hour": 11, "minute": 59, "second": 49}
